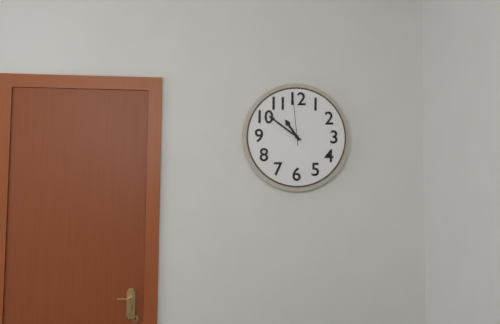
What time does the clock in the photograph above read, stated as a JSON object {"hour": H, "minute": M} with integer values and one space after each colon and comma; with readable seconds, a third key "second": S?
{"hour": 10, "minute": 51}
